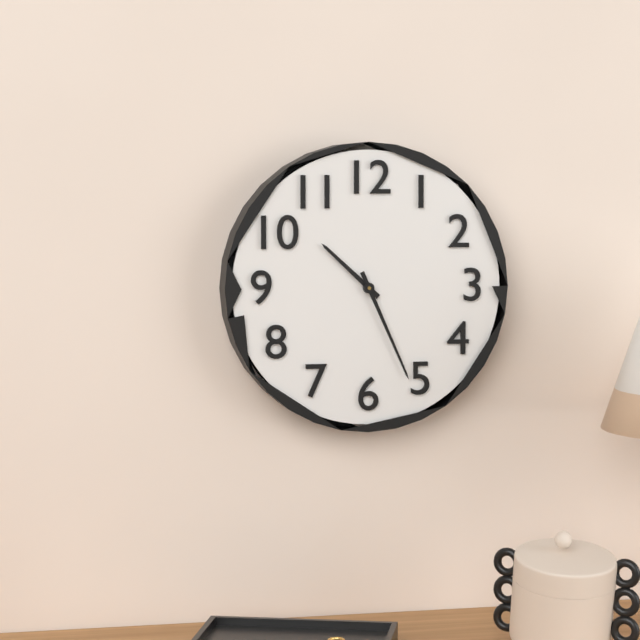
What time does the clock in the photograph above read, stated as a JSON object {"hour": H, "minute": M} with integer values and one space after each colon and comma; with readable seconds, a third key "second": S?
{"hour": 10, "minute": 26}
